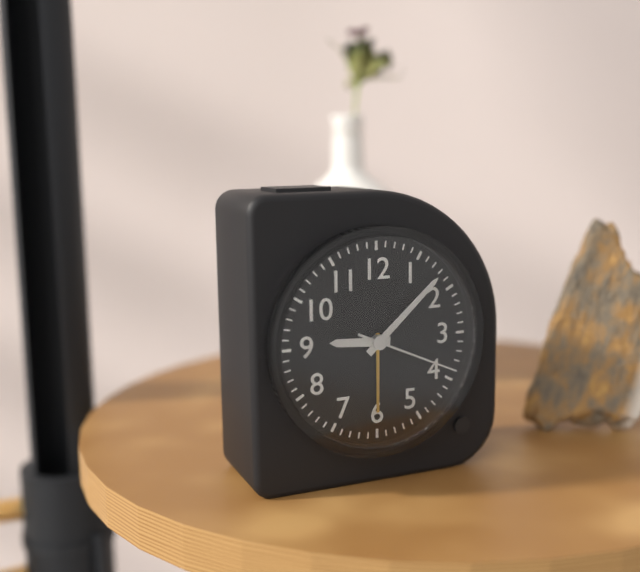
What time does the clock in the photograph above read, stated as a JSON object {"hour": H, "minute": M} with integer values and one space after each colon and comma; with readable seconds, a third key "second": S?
{"hour": 9, "minute": 8, "second": 19}
